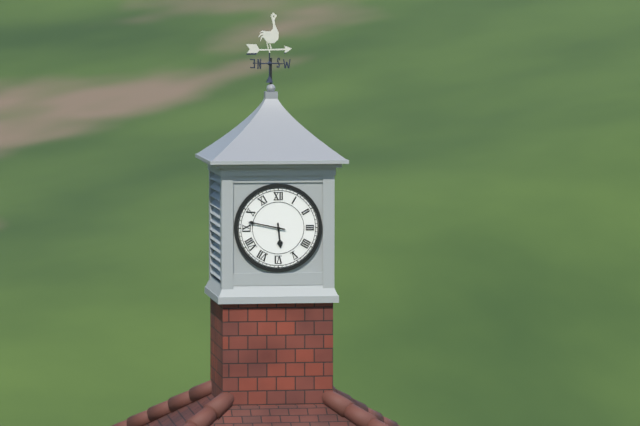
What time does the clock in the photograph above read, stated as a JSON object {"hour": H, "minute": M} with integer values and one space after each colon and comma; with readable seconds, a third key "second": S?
{"hour": 5, "minute": 47}
